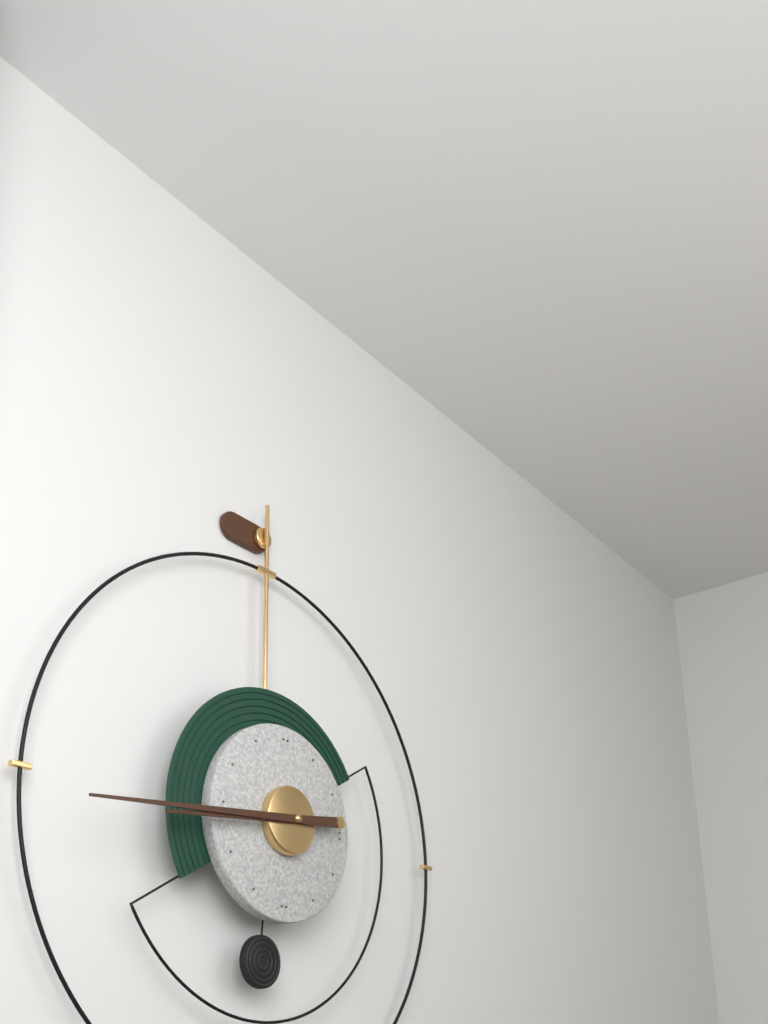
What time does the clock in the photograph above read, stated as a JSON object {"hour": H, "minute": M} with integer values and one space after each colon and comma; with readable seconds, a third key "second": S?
{"hour": 8, "minute": 44}
